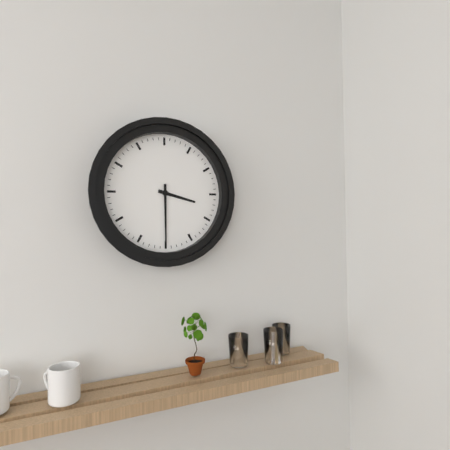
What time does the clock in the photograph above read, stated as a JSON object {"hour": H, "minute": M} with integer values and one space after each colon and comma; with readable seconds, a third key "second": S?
{"hour": 3, "minute": 30}
